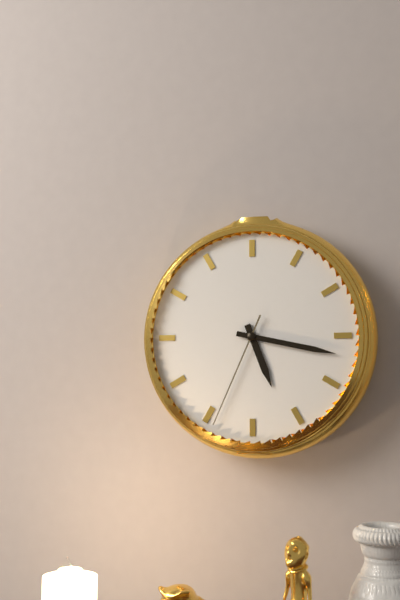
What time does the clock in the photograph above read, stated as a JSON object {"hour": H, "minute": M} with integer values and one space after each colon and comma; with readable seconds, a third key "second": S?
{"hour": 5, "minute": 17, "second": 34}
